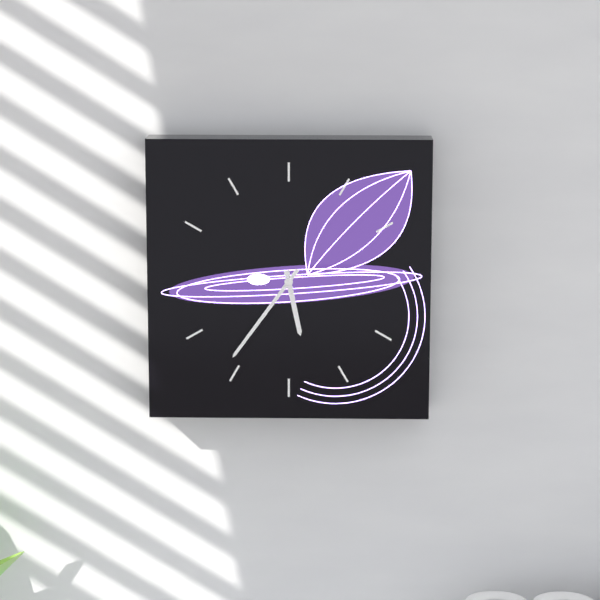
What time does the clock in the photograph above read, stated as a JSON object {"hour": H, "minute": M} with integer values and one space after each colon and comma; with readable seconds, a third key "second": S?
{"hour": 5, "minute": 36}
